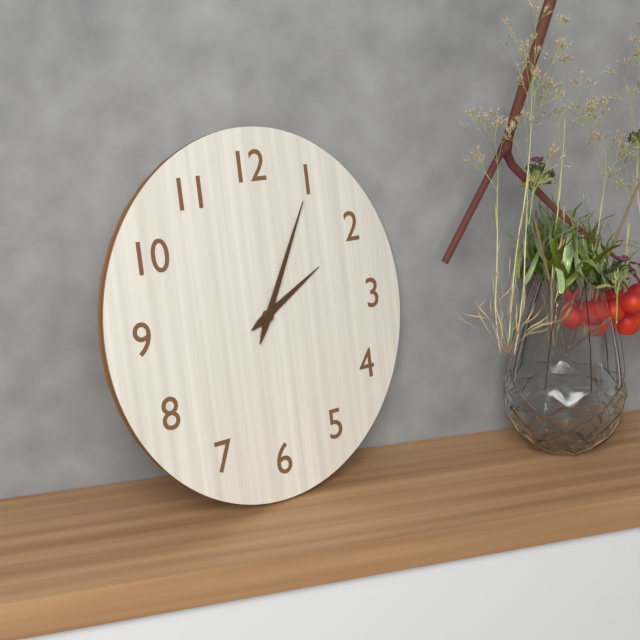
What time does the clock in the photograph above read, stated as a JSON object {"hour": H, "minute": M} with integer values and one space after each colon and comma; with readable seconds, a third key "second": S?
{"hour": 2, "minute": 5}
